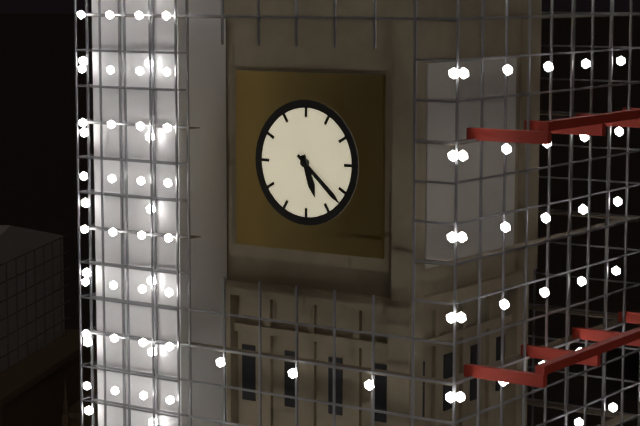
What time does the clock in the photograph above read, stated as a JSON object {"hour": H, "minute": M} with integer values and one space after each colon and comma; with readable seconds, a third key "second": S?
{"hour": 5, "minute": 22}
